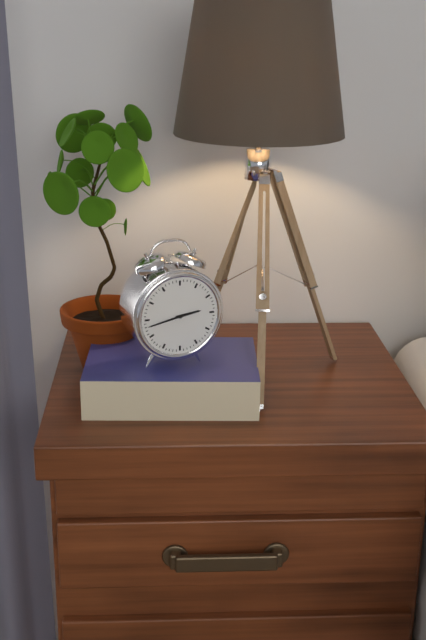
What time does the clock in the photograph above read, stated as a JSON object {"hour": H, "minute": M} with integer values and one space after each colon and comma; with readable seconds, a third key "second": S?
{"hour": 2, "minute": 43}
